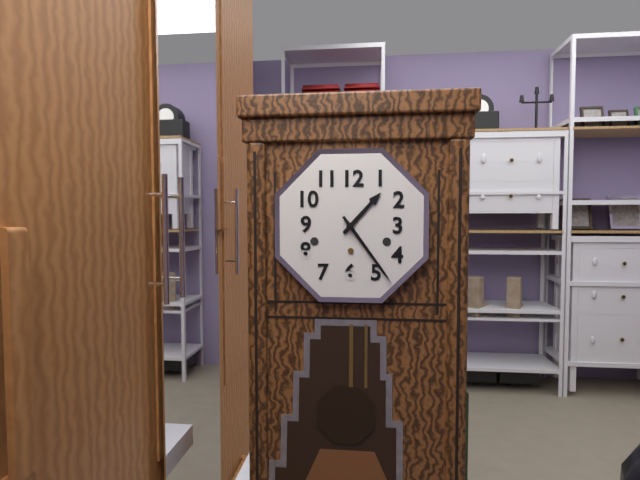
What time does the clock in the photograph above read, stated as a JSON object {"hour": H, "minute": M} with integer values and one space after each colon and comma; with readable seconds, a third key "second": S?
{"hour": 1, "minute": 24}
